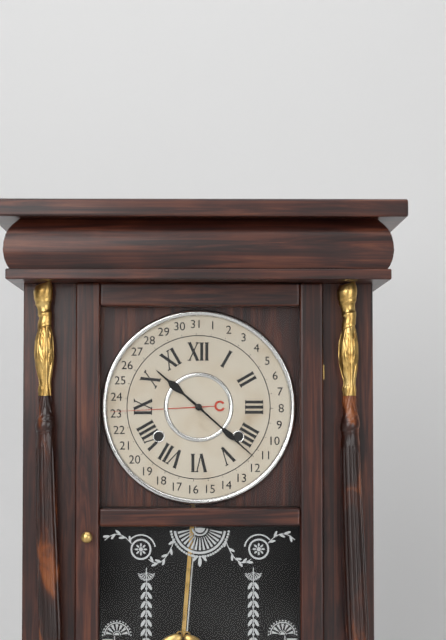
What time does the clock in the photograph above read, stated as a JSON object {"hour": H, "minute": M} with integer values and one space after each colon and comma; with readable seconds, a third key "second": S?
{"hour": 10, "minute": 22}
